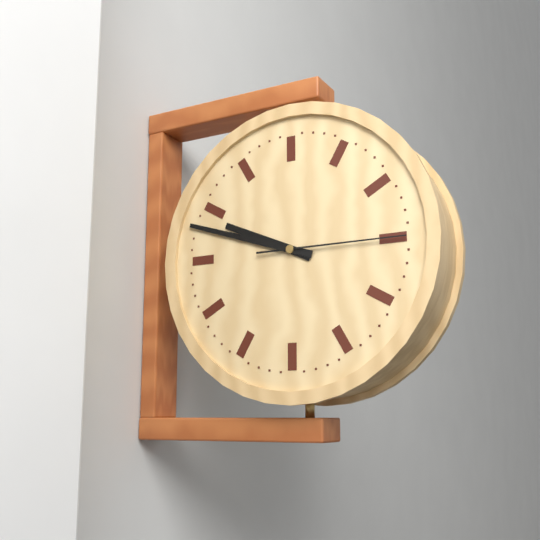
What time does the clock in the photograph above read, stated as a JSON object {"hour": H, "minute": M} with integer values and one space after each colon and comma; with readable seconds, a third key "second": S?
{"hour": 9, "minute": 48, "second": 15}
